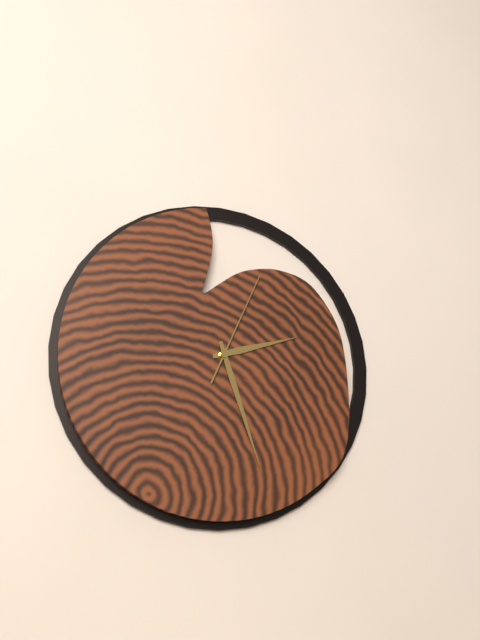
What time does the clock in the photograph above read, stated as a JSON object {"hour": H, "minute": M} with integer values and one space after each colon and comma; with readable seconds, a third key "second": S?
{"hour": 2, "minute": 27, "second": 4}
